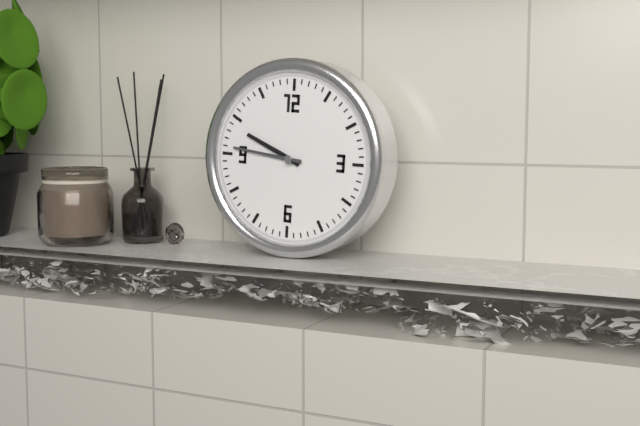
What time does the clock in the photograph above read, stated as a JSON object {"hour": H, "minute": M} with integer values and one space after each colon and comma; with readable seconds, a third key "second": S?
{"hour": 9, "minute": 46}
